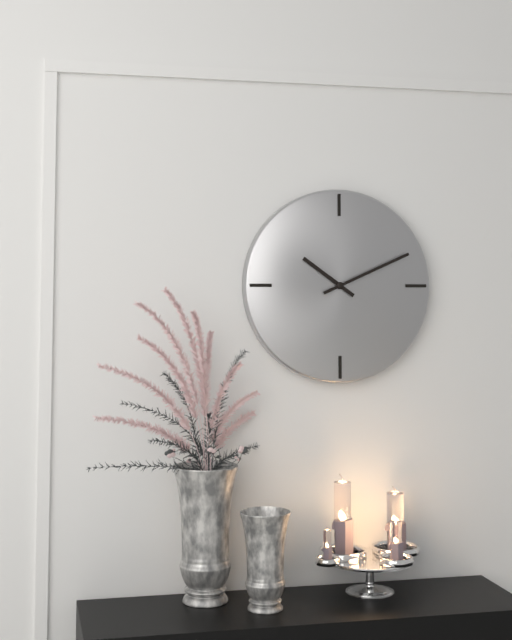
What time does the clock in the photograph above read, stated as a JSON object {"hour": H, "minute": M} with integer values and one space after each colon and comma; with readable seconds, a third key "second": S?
{"hour": 10, "minute": 11}
